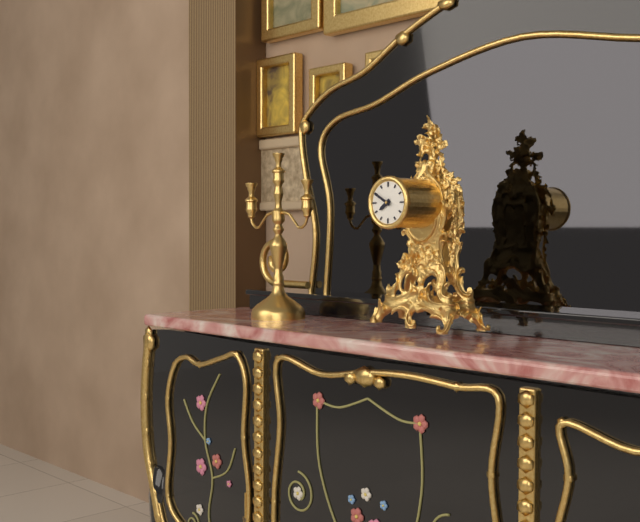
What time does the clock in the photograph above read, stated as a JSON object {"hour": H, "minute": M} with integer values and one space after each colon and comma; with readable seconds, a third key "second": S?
{"hour": 7, "minute": 50}
